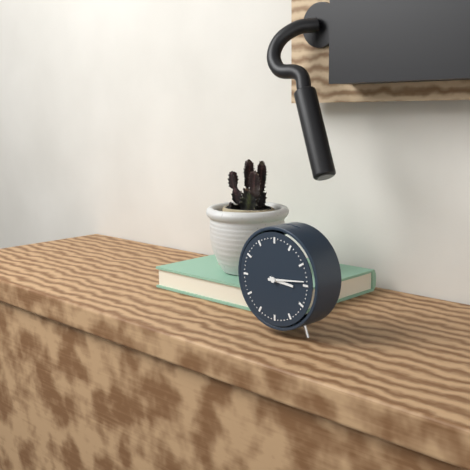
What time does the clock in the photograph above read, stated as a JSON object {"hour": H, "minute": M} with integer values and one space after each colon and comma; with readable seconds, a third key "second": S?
{"hour": 3, "minute": 14}
